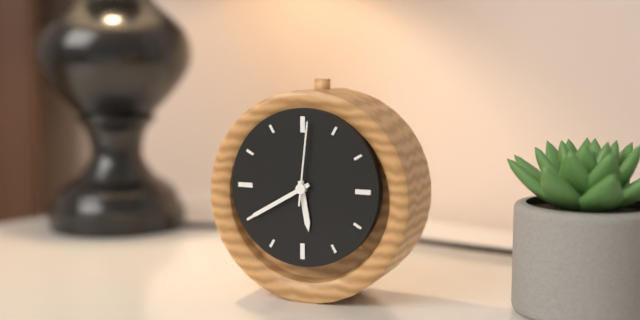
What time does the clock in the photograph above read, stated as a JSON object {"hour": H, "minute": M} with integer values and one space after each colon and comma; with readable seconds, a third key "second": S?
{"hour": 5, "minute": 40, "second": 1}
